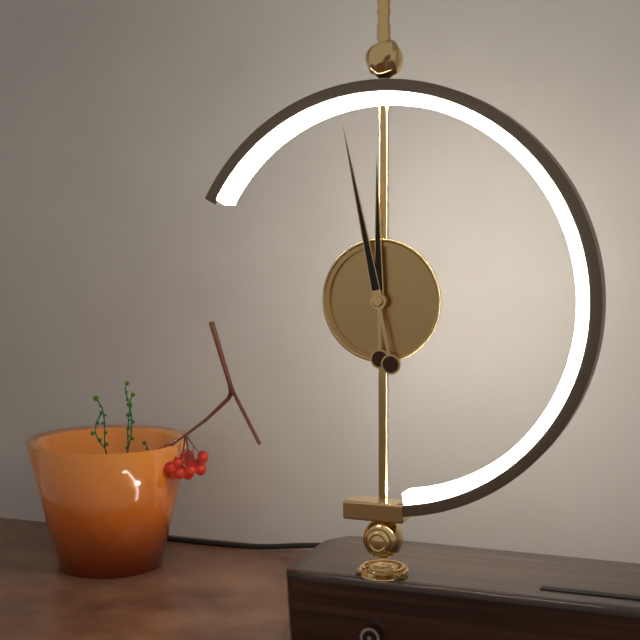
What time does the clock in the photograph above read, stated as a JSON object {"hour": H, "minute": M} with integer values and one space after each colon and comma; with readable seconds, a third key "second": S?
{"hour": 11, "minute": 58}
